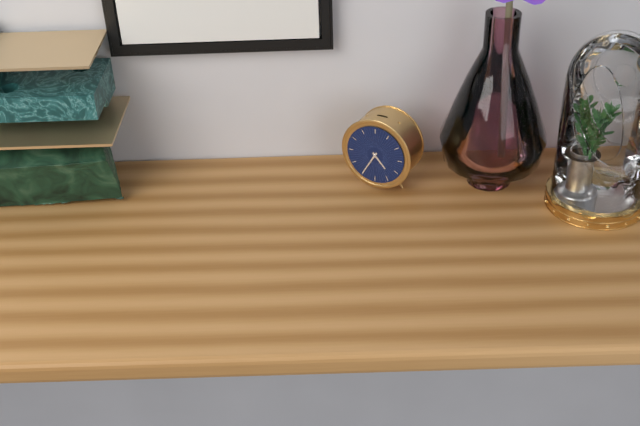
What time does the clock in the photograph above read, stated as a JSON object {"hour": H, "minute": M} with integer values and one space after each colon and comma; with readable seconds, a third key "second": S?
{"hour": 4, "minute": 35}
